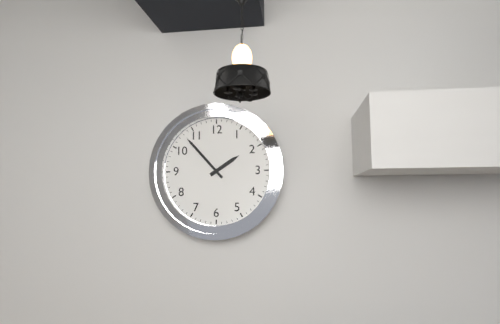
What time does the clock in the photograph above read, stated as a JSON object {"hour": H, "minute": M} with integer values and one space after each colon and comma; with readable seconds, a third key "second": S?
{"hour": 1, "minute": 53}
